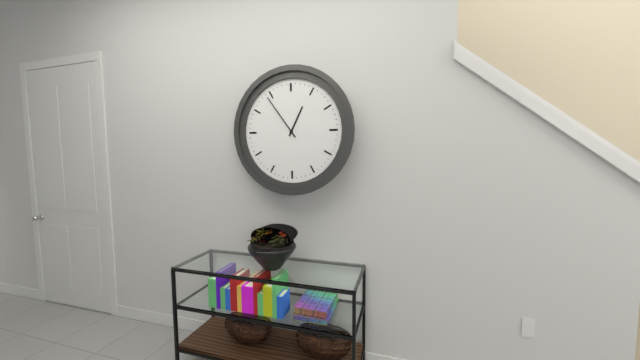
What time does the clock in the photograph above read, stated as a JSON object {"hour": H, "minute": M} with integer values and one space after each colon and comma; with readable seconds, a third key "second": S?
{"hour": 12, "minute": 54}
